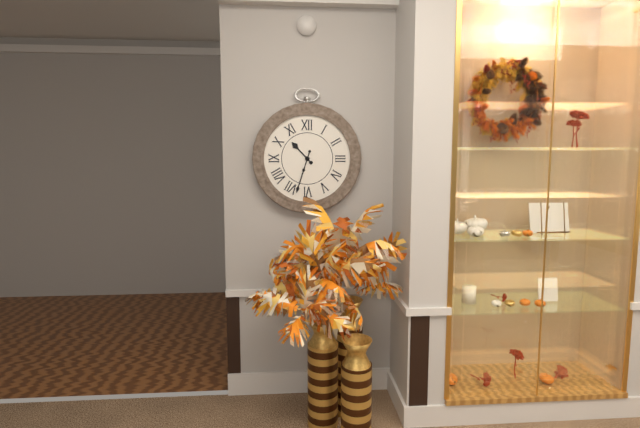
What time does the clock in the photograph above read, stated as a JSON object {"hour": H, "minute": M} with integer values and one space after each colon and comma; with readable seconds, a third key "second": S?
{"hour": 10, "minute": 33}
